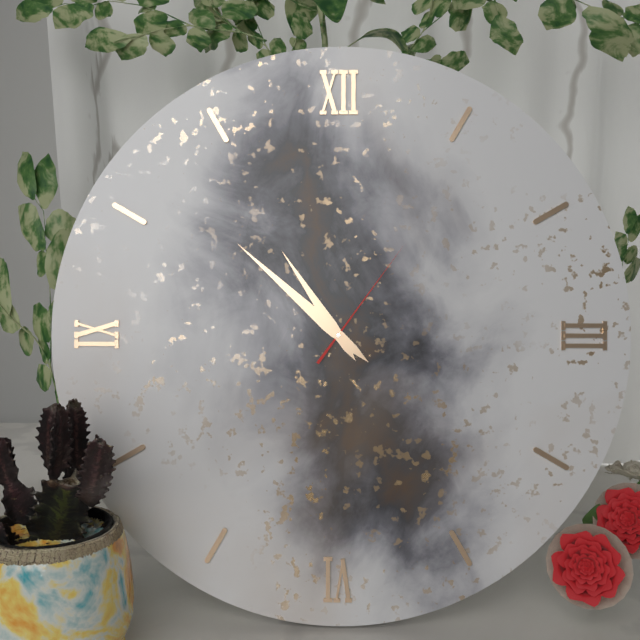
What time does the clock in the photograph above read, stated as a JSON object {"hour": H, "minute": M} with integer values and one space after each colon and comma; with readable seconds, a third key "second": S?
{"hour": 10, "minute": 52, "second": 6}
